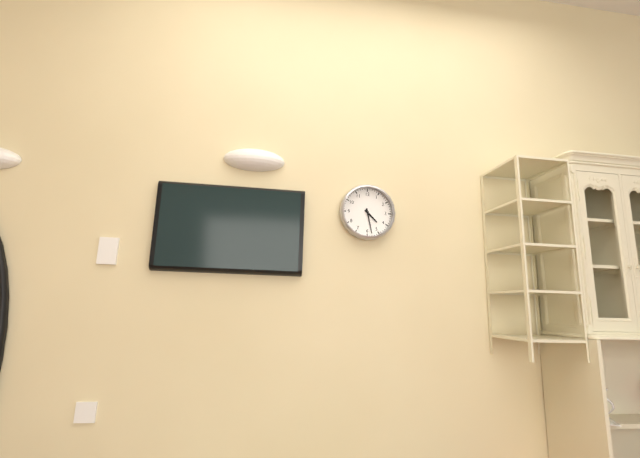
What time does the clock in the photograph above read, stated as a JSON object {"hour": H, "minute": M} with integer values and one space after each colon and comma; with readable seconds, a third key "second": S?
{"hour": 4, "minute": 28}
